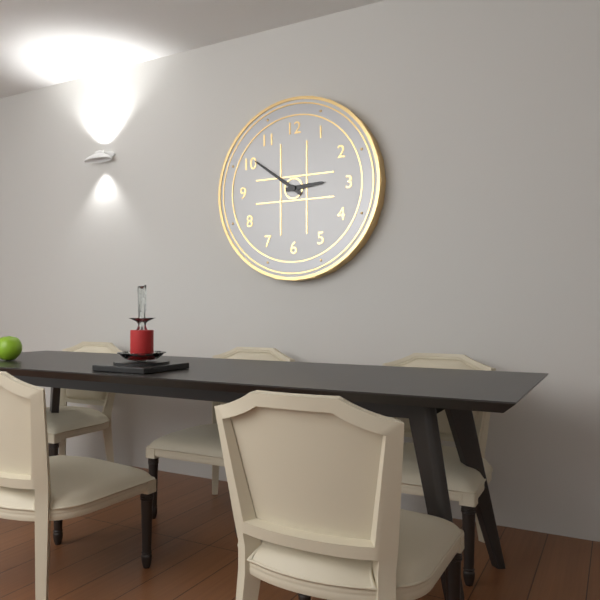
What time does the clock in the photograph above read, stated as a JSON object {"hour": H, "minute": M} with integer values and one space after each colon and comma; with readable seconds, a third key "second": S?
{"hour": 2, "minute": 51}
